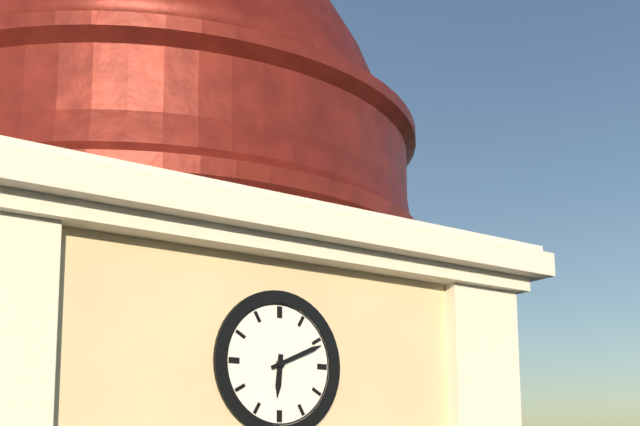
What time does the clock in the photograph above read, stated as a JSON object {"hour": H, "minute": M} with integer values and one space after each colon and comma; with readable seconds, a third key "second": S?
{"hour": 6, "minute": 11}
